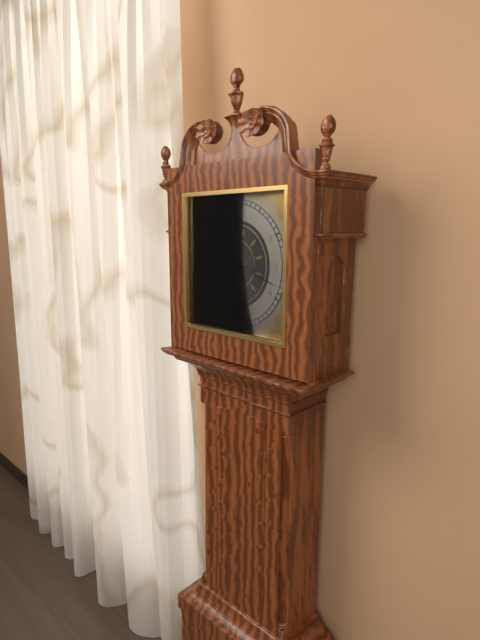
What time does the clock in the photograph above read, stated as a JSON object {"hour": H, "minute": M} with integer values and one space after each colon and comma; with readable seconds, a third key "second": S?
{"hour": 3, "minute": 18}
